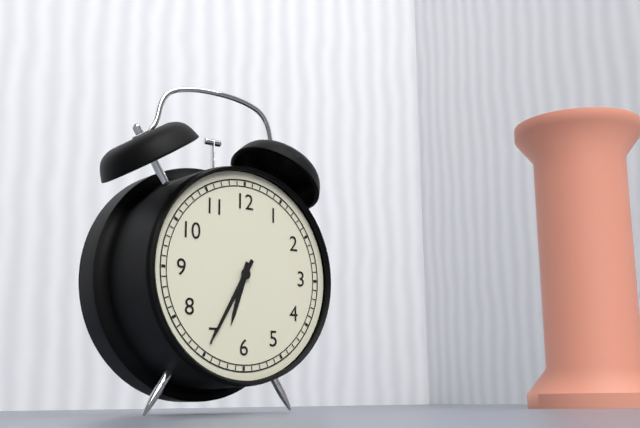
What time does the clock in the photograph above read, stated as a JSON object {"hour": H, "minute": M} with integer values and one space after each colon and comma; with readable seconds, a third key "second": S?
{"hour": 6, "minute": 35}
